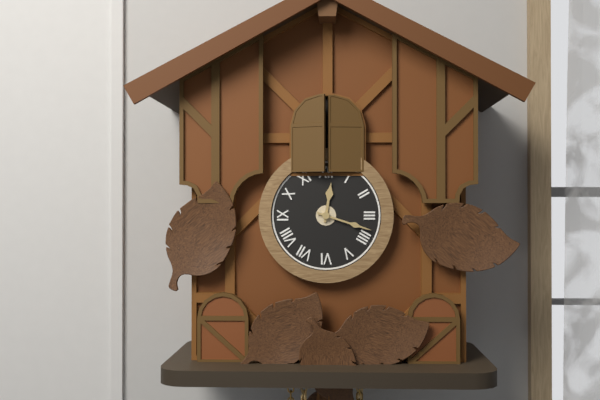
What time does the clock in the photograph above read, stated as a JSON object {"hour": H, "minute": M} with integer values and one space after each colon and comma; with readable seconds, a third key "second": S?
{"hour": 12, "minute": 18}
